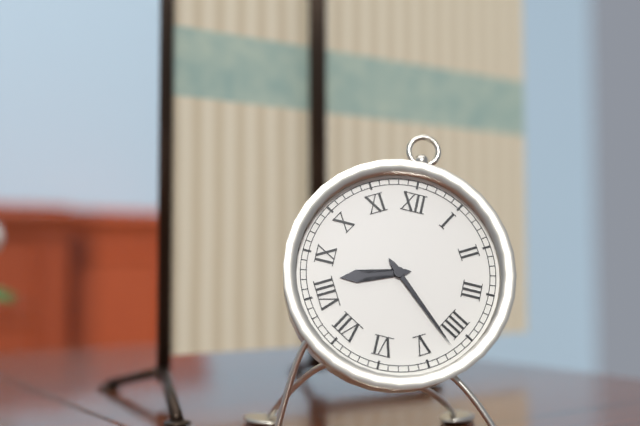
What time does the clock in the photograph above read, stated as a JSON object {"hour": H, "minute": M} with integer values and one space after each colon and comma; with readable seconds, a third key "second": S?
{"hour": 8, "minute": 22}
